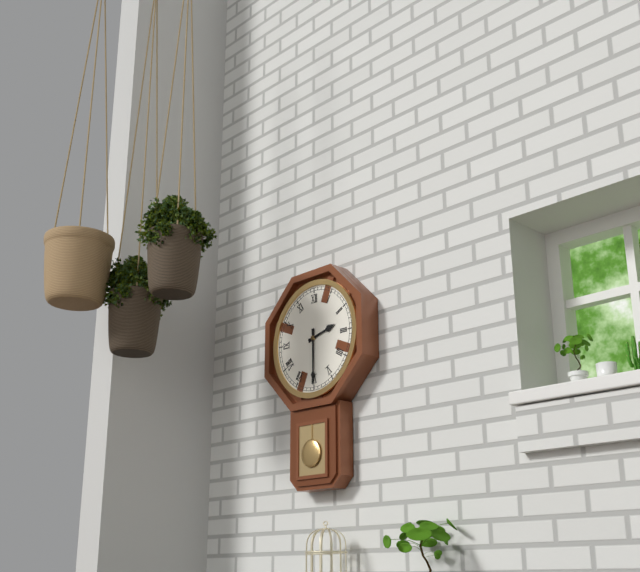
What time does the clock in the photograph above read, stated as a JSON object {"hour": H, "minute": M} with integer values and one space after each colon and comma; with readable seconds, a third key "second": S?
{"hour": 2, "minute": 30}
